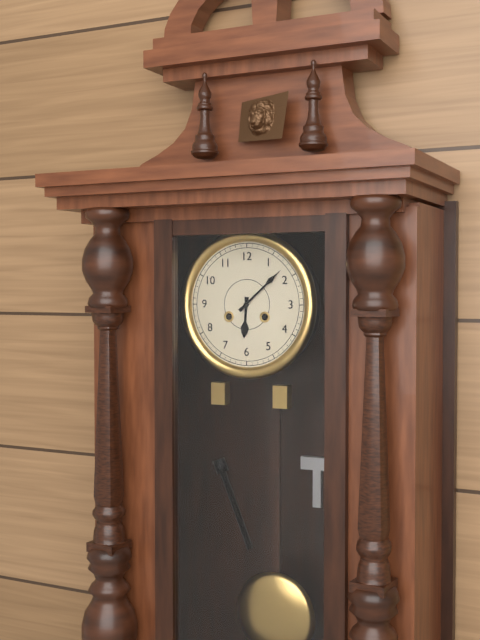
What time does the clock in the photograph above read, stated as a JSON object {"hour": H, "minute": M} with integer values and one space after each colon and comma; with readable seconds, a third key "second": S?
{"hour": 6, "minute": 8}
